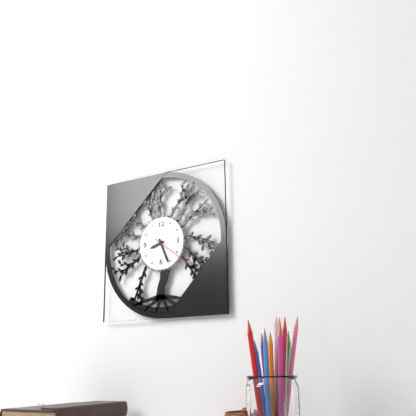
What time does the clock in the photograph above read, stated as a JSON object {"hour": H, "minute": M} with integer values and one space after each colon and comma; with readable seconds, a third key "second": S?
{"hour": 8, "minute": 26}
